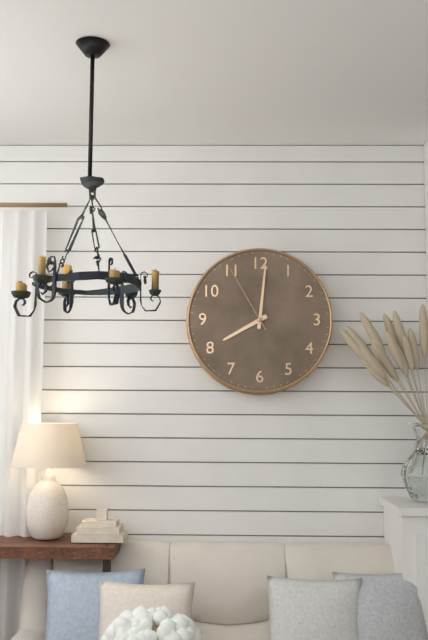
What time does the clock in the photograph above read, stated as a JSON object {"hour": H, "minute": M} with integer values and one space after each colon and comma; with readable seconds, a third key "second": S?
{"hour": 8, "minute": 1, "second": 55}
